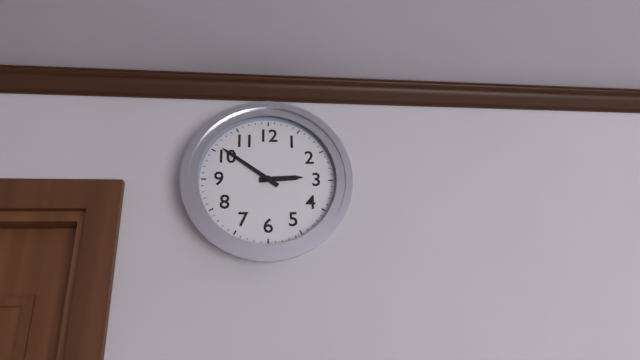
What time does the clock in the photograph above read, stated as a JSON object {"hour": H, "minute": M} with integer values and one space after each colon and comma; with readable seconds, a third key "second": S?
{"hour": 2, "minute": 51}
